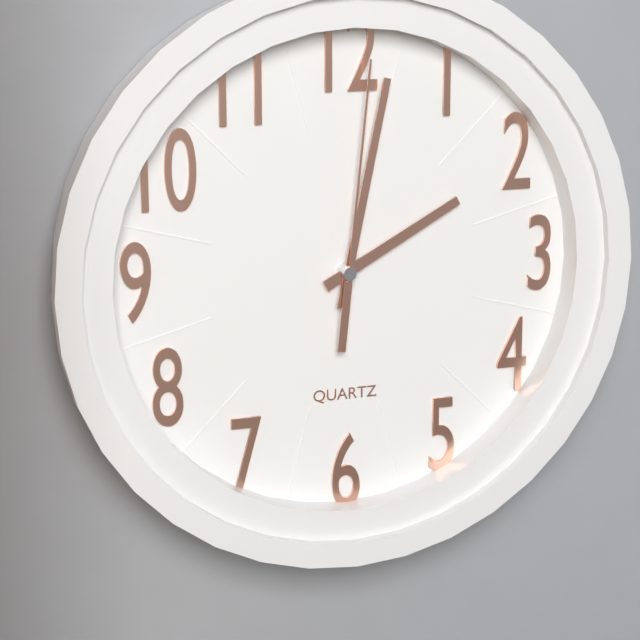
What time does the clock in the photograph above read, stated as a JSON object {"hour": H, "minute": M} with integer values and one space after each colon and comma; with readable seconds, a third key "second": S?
{"hour": 2, "minute": 2, "second": 1}
